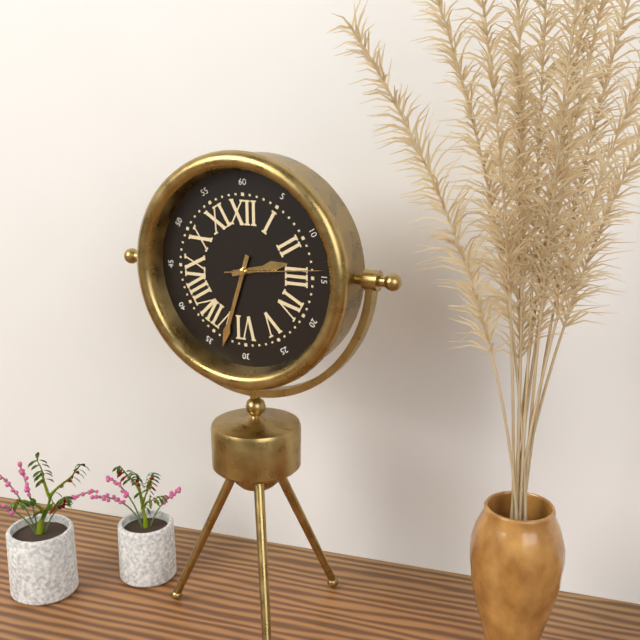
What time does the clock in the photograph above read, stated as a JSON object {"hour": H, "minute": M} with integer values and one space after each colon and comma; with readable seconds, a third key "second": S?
{"hour": 2, "minute": 33, "second": 14}
